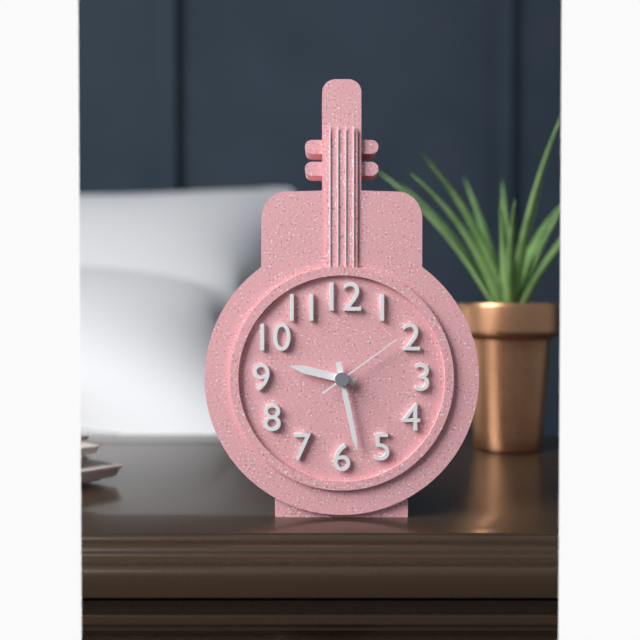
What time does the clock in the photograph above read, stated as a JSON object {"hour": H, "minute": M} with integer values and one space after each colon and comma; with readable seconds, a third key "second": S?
{"hour": 9, "minute": 28, "second": 9}
